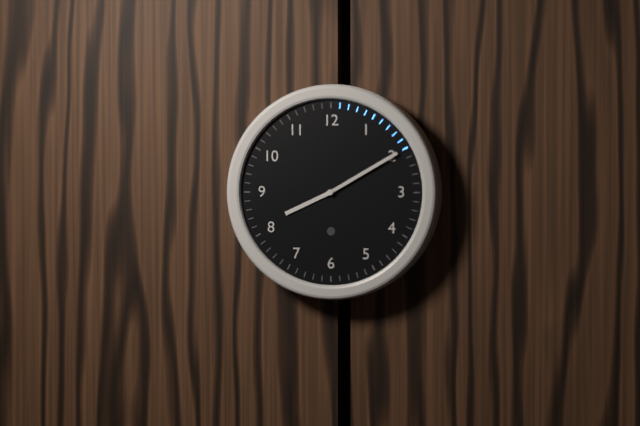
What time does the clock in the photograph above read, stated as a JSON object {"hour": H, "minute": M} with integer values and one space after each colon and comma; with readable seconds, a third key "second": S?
{"hour": 8, "minute": 10}
